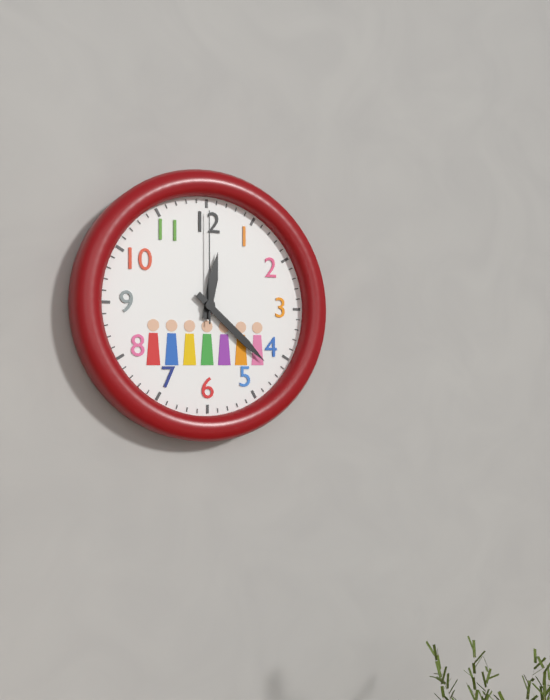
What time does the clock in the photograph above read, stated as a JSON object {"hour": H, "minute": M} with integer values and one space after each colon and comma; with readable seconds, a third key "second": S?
{"hour": 12, "minute": 22, "second": 0}
